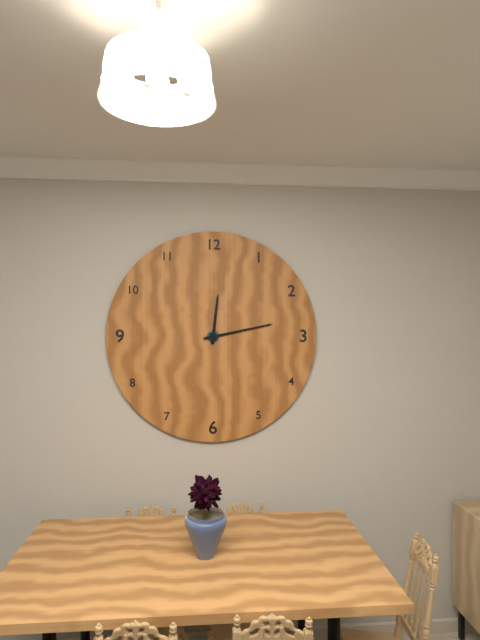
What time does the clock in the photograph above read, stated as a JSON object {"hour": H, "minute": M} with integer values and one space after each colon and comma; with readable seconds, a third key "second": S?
{"hour": 12, "minute": 13}
